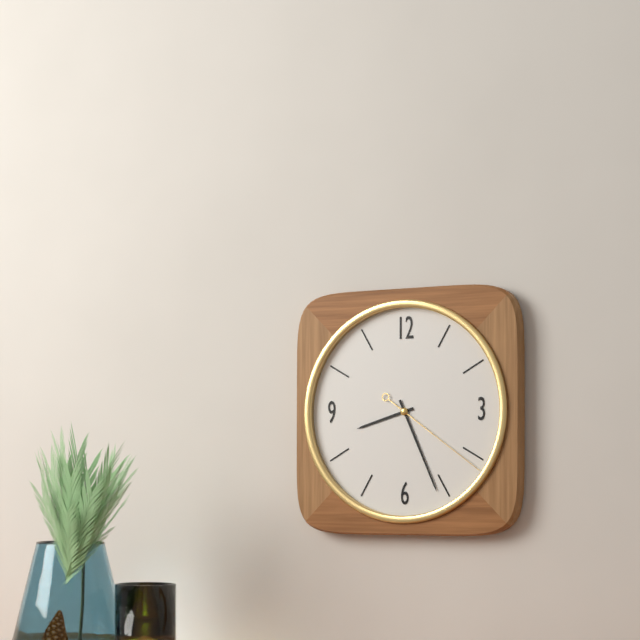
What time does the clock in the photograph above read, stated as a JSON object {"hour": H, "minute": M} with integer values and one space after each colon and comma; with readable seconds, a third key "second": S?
{"hour": 8, "minute": 26, "second": 21}
